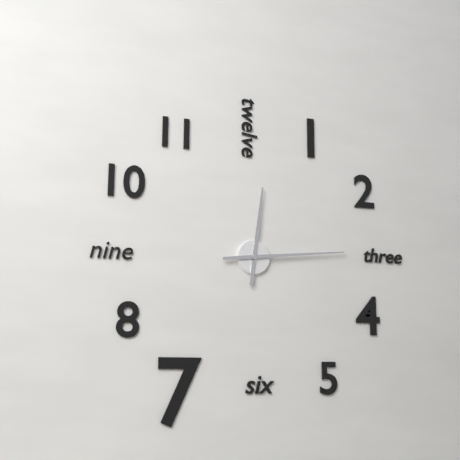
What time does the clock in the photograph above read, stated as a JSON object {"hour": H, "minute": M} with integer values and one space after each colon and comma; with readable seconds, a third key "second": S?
{"hour": 12, "minute": 14}
